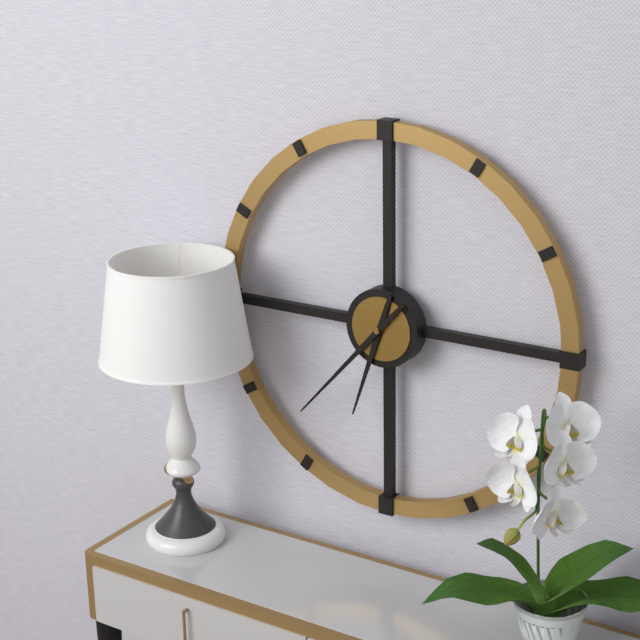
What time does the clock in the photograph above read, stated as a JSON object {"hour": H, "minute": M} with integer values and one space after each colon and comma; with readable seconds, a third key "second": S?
{"hour": 6, "minute": 37}
